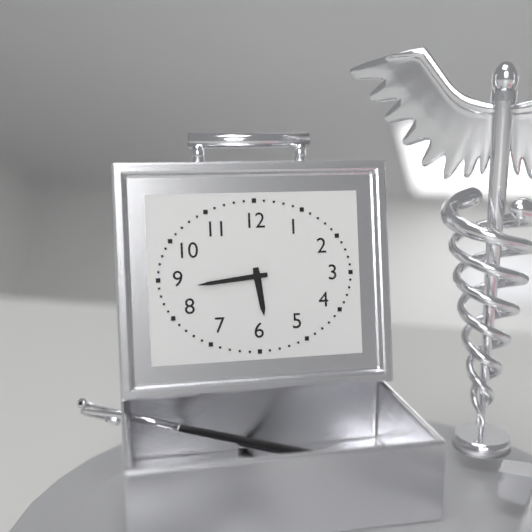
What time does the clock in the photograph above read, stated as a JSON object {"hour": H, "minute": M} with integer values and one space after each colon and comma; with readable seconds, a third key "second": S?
{"hour": 5, "minute": 44}
